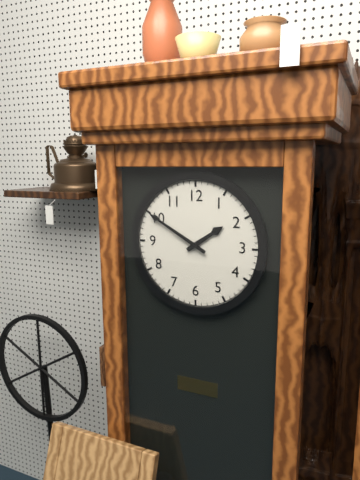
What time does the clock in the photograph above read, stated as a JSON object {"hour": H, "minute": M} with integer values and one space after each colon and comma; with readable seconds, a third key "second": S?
{"hour": 1, "minute": 50}
